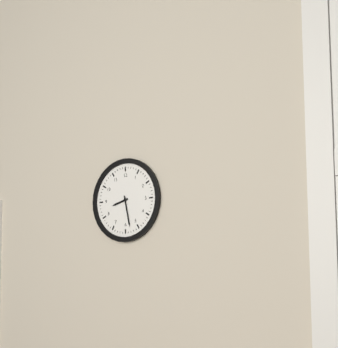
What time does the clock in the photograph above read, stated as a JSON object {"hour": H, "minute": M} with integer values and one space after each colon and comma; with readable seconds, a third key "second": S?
{"hour": 8, "minute": 28}
